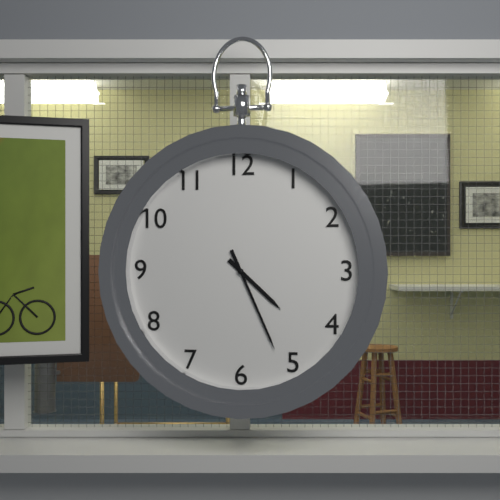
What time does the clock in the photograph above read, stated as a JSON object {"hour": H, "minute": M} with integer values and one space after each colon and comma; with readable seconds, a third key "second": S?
{"hour": 4, "minute": 26}
